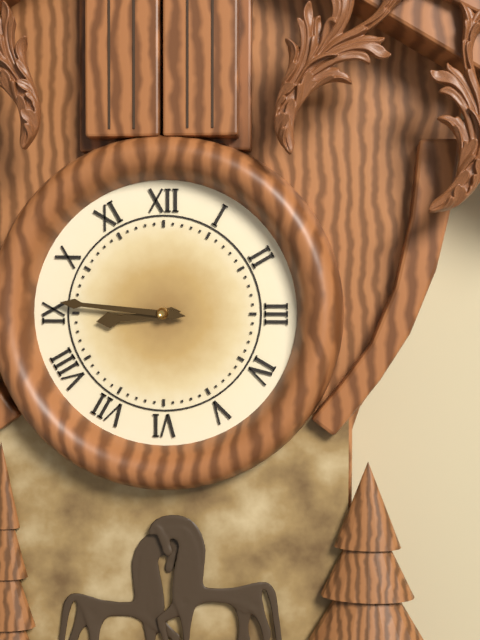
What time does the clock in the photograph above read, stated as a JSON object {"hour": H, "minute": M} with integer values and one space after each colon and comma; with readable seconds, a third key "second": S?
{"hour": 8, "minute": 46}
